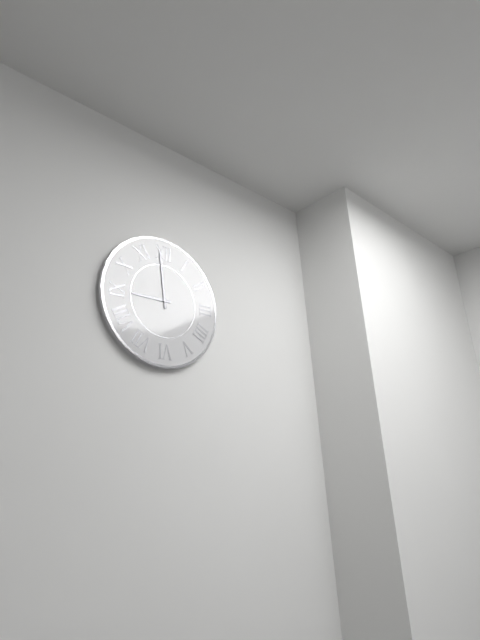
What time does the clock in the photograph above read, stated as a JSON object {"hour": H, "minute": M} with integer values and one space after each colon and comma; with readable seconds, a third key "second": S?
{"hour": 8, "minute": 59}
